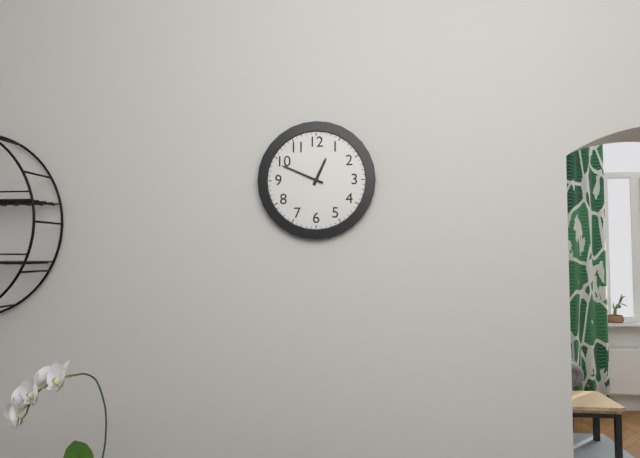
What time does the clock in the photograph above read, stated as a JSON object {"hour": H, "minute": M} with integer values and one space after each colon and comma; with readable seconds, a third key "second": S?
{"hour": 12, "minute": 49}
